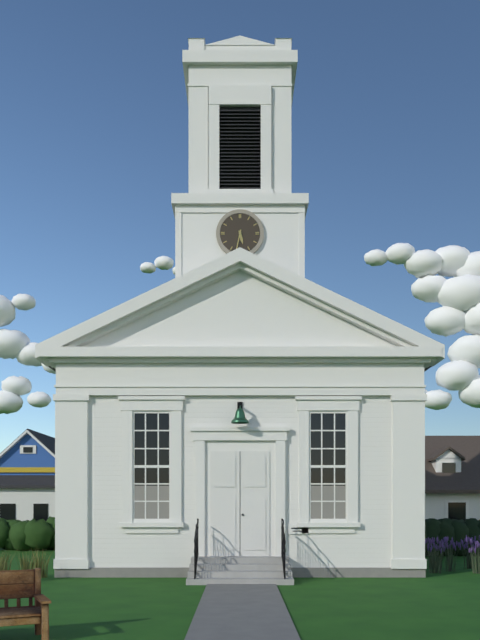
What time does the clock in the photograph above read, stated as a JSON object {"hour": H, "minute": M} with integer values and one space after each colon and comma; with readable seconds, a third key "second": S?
{"hour": 5, "minute": 32}
